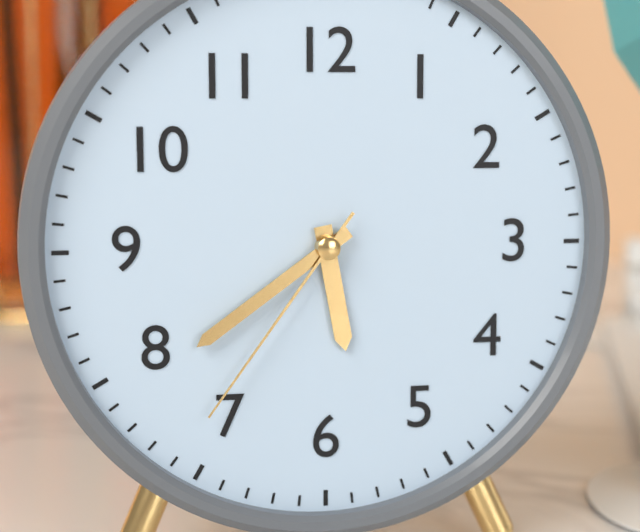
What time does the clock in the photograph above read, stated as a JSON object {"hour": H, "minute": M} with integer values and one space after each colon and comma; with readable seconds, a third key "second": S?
{"hour": 5, "minute": 39, "second": 36}
